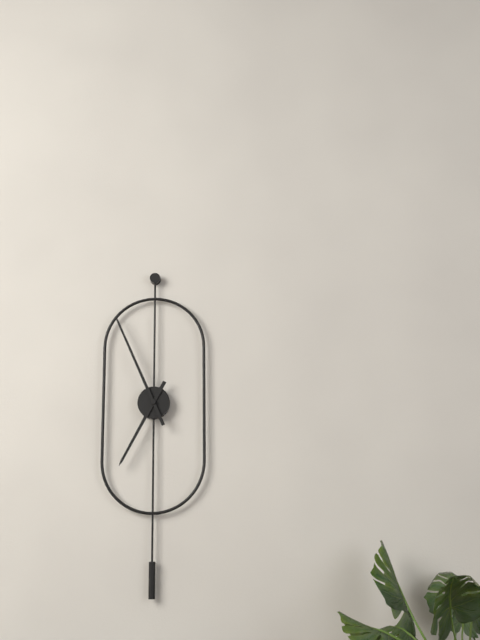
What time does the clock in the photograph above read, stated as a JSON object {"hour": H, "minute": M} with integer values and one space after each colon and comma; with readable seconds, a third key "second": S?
{"hour": 6, "minute": 56}
